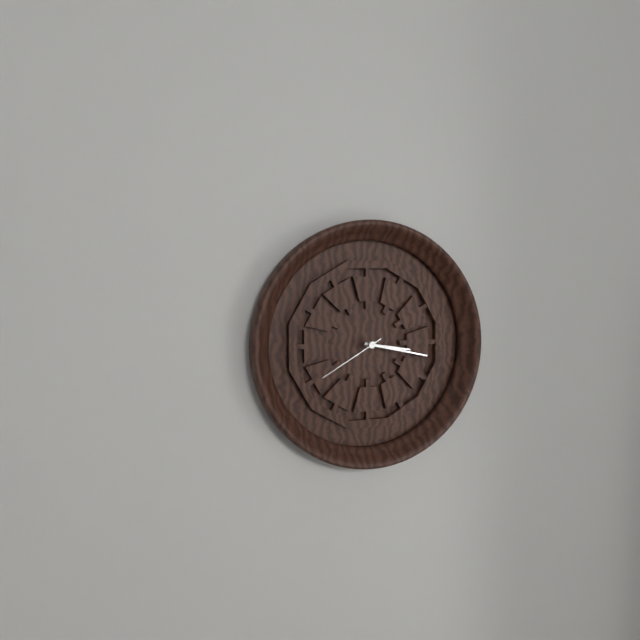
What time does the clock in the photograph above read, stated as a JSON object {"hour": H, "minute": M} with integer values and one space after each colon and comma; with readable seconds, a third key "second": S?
{"hour": 3, "minute": 17, "second": 40}
